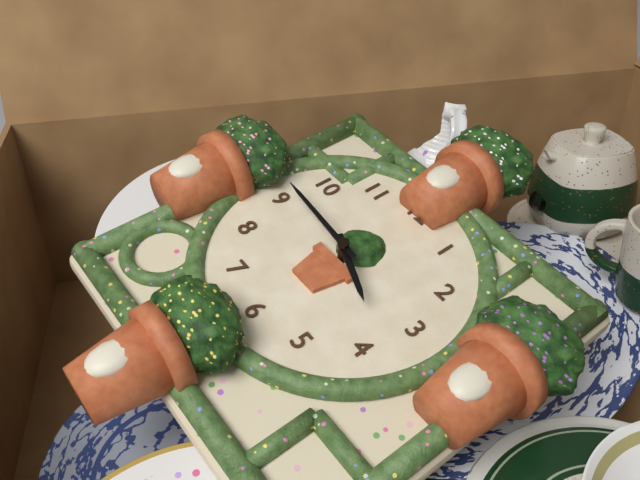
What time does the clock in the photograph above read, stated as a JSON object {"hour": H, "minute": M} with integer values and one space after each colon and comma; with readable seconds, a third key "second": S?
{"hour": 3, "minute": 46}
